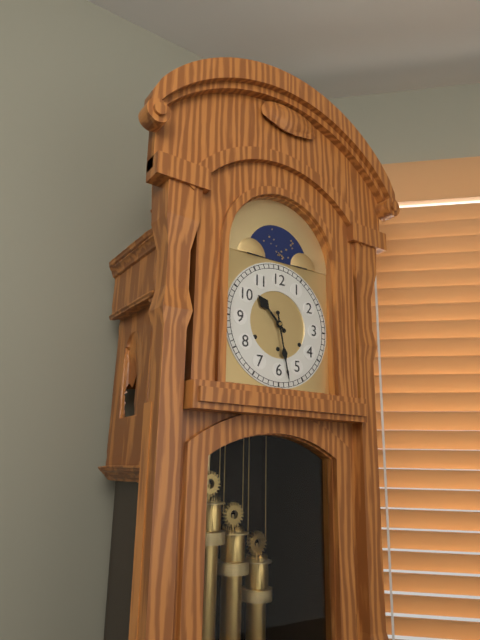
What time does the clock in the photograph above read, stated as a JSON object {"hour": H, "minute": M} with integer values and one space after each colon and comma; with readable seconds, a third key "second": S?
{"hour": 10, "minute": 28}
